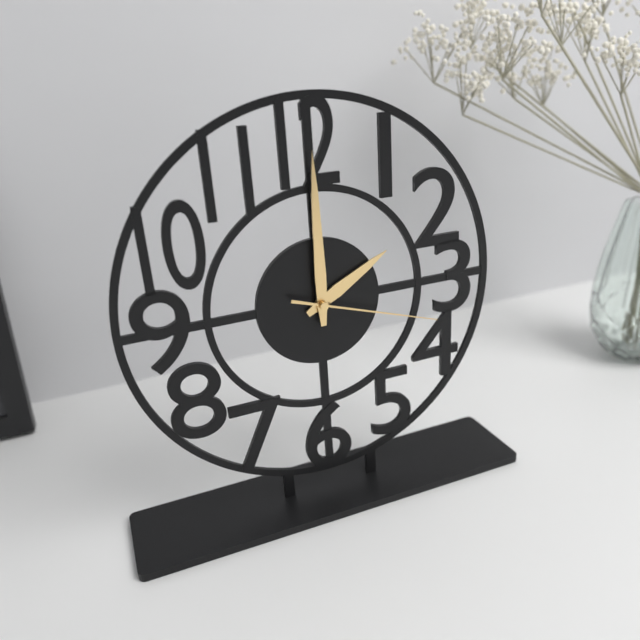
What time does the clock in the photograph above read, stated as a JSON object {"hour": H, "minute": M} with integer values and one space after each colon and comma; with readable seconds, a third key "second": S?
{"hour": 2, "minute": 0, "second": 18}
